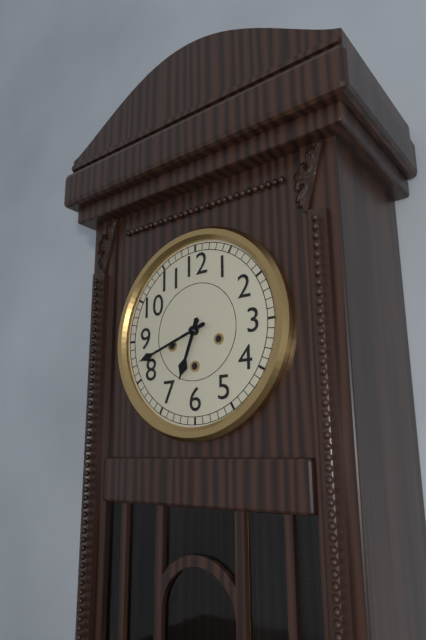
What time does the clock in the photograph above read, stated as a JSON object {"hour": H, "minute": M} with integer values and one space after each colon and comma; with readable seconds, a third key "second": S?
{"hour": 6, "minute": 42}
